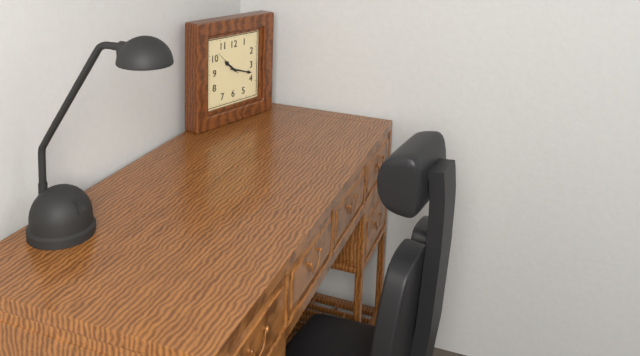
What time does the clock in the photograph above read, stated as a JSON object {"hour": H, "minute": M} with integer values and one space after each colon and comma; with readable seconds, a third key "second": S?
{"hour": 10, "minute": 18}
